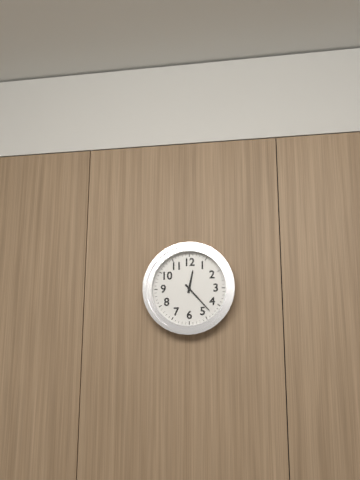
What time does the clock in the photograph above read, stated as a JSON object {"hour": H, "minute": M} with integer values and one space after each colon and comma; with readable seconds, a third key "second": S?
{"hour": 12, "minute": 23}
